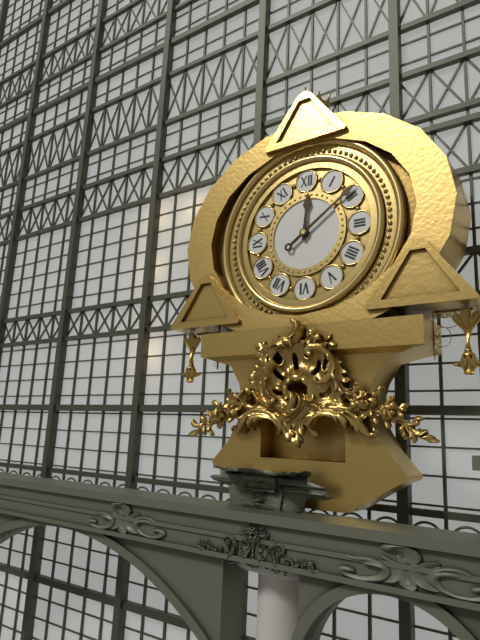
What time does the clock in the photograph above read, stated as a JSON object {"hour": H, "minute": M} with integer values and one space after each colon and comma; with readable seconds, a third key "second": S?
{"hour": 12, "minute": 9}
